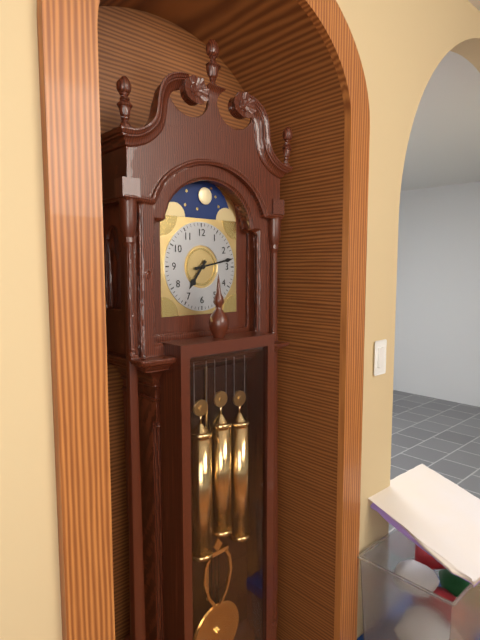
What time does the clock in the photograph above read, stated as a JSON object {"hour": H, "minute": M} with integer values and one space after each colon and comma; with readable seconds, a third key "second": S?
{"hour": 7, "minute": 13}
